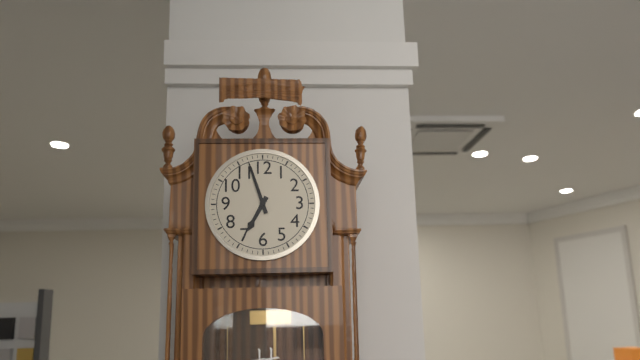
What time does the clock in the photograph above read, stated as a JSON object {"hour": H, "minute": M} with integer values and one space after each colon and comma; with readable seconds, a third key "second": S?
{"hour": 6, "minute": 57}
